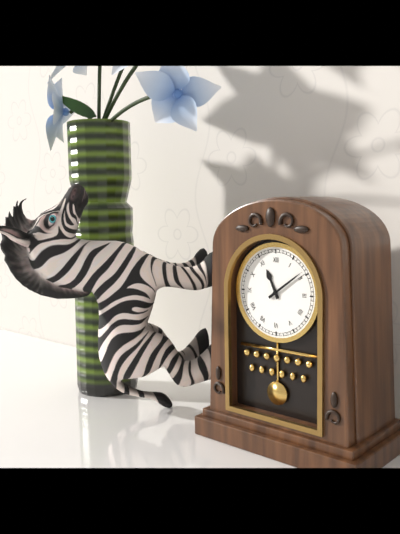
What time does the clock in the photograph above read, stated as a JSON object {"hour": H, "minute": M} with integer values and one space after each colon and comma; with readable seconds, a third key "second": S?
{"hour": 11, "minute": 9}
